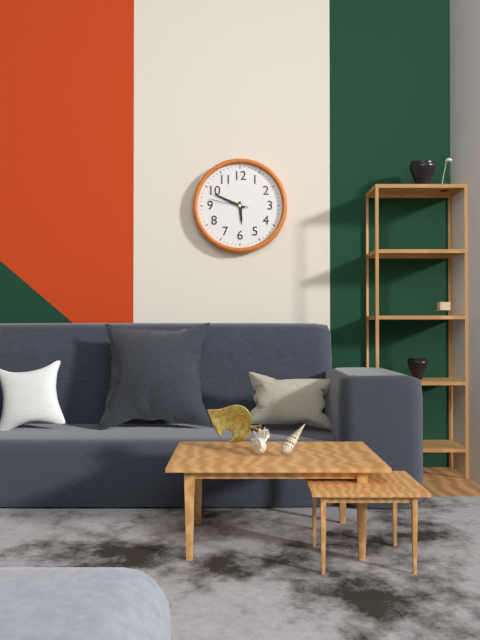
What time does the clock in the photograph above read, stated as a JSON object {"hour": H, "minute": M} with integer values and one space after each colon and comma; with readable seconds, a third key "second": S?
{"hour": 5, "minute": 49}
